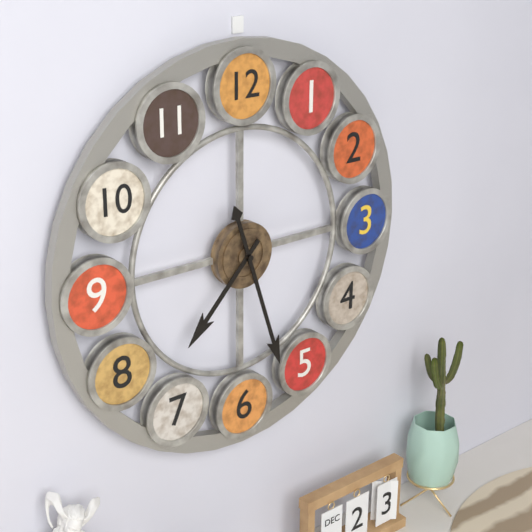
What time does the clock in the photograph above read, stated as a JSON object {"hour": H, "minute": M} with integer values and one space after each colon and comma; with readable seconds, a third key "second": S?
{"hour": 7, "minute": 27}
